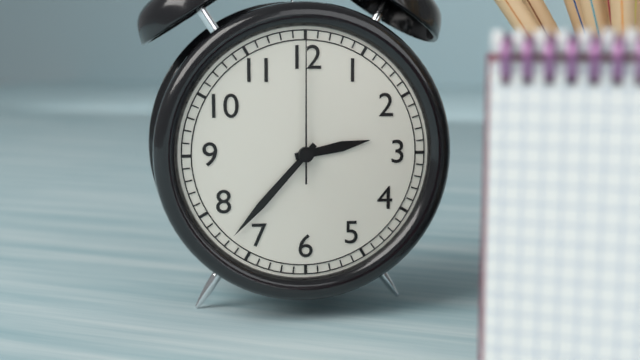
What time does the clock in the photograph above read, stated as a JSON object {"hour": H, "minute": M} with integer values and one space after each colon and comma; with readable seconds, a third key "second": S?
{"hour": 2, "minute": 37, "second": 0}
